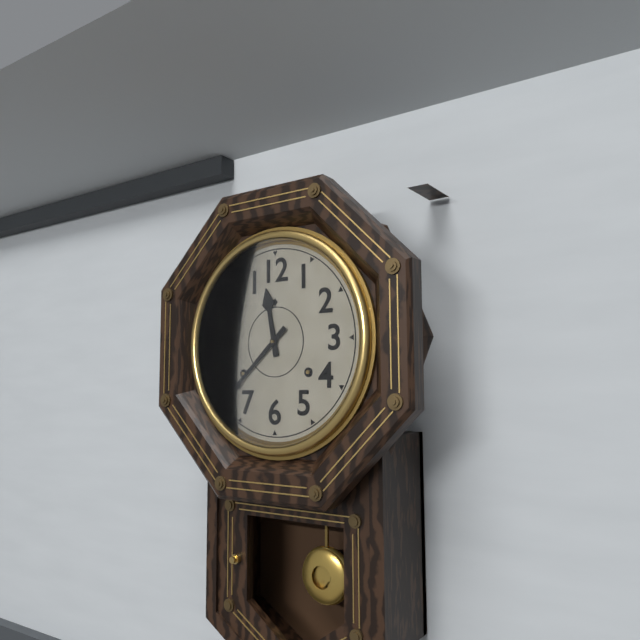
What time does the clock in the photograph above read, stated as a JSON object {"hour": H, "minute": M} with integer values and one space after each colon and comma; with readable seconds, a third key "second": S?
{"hour": 11, "minute": 38}
